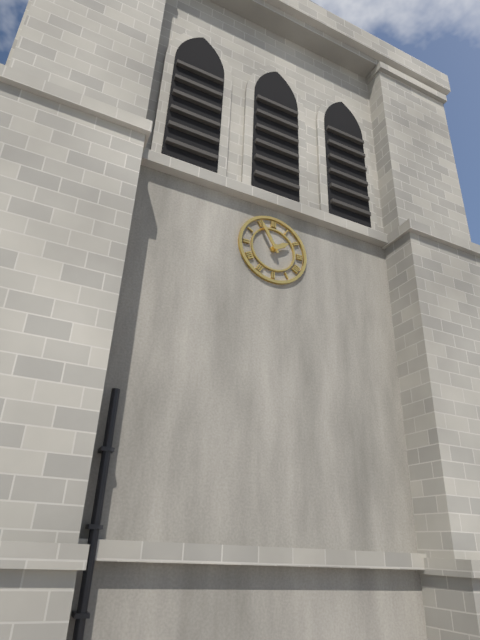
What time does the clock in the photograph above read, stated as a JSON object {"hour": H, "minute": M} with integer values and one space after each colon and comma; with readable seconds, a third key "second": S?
{"hour": 1, "minute": 55}
